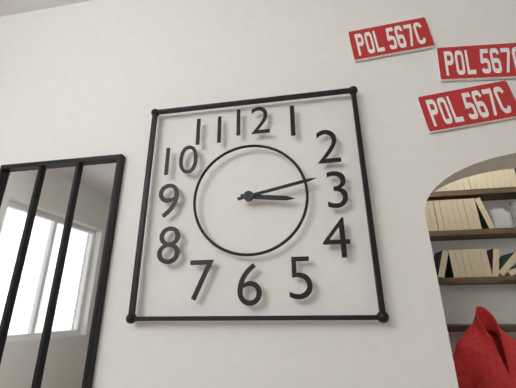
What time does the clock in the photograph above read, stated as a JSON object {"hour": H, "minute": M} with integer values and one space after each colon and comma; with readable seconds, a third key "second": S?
{"hour": 3, "minute": 13}
